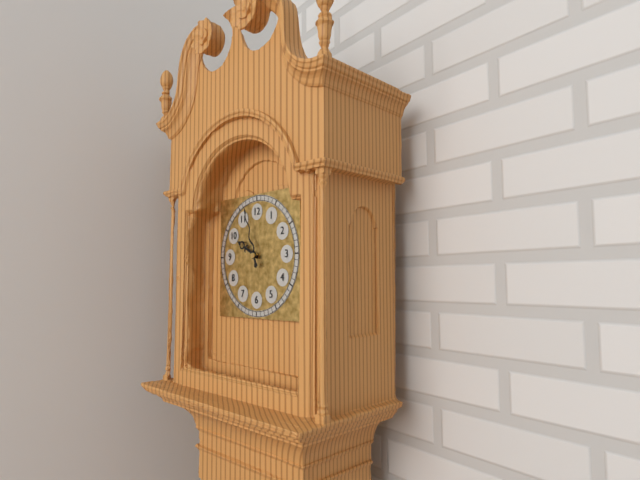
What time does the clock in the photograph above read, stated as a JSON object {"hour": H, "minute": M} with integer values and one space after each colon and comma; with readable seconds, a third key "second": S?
{"hour": 9, "minute": 57}
